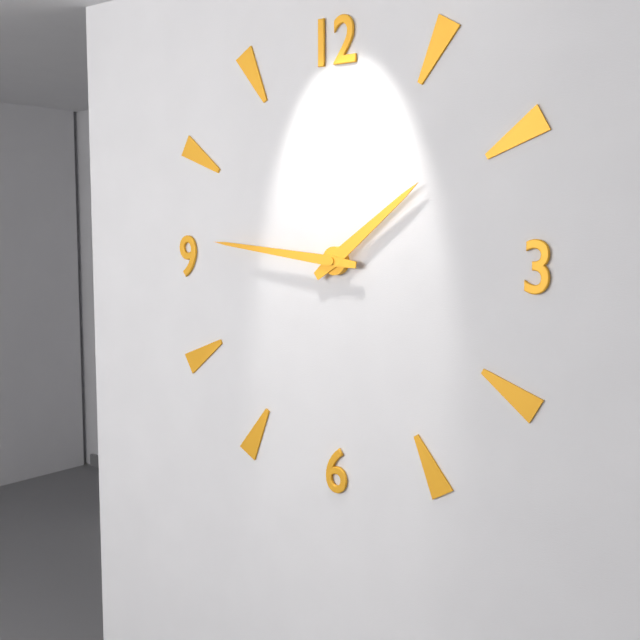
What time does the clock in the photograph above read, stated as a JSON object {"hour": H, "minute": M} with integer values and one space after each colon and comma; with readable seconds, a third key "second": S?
{"hour": 1, "minute": 46}
